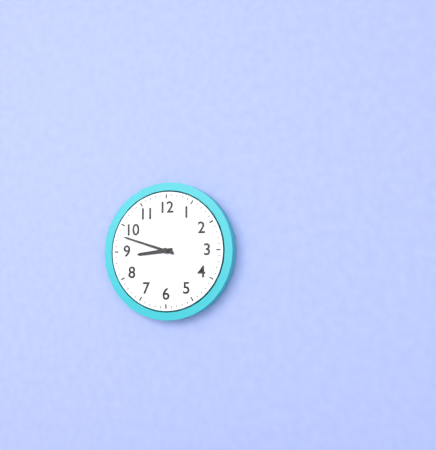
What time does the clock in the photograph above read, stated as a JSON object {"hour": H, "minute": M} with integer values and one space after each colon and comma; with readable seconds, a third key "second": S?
{"hour": 8, "minute": 48}
